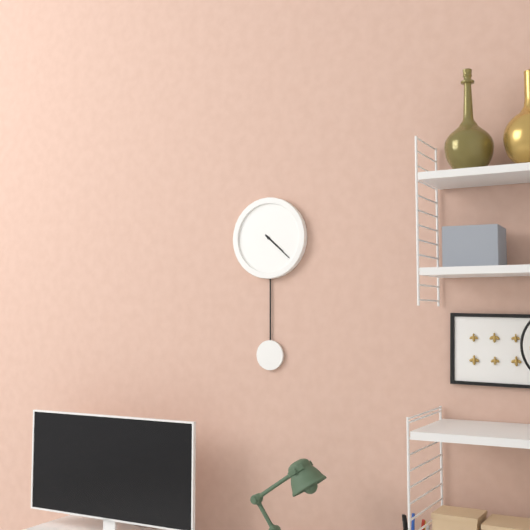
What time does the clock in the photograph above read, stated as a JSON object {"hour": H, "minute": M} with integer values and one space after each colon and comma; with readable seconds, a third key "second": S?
{"hour": 4, "minute": 22}
